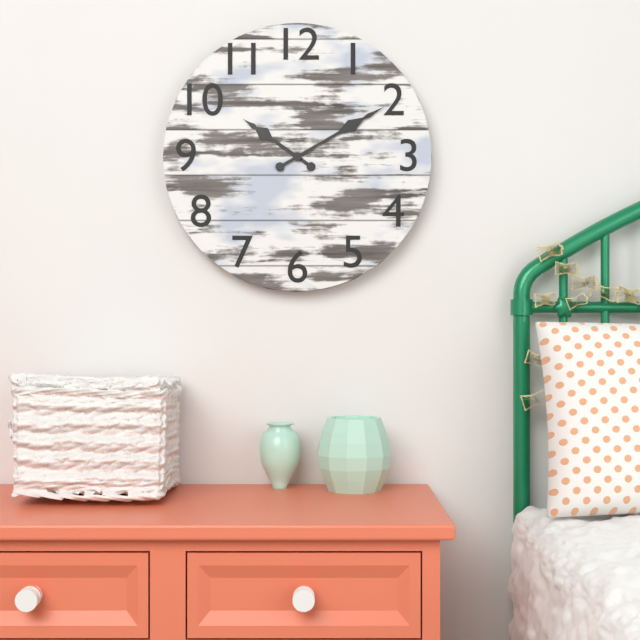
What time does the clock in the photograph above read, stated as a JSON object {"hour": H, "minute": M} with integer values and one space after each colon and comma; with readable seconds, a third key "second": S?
{"hour": 10, "minute": 10}
